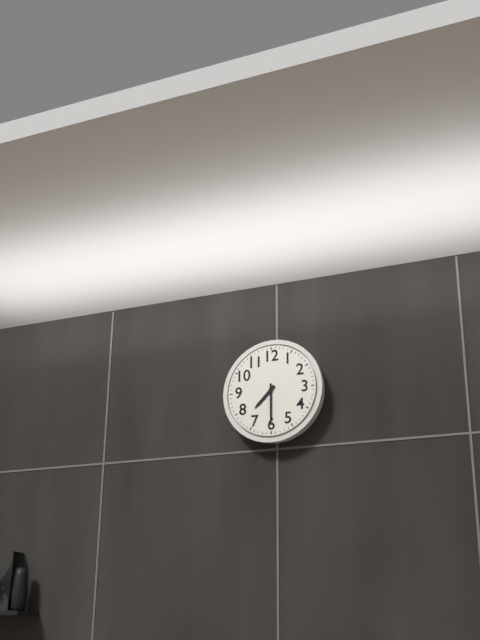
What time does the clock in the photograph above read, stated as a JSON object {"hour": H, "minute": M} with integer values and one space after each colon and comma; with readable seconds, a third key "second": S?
{"hour": 7, "minute": 30}
